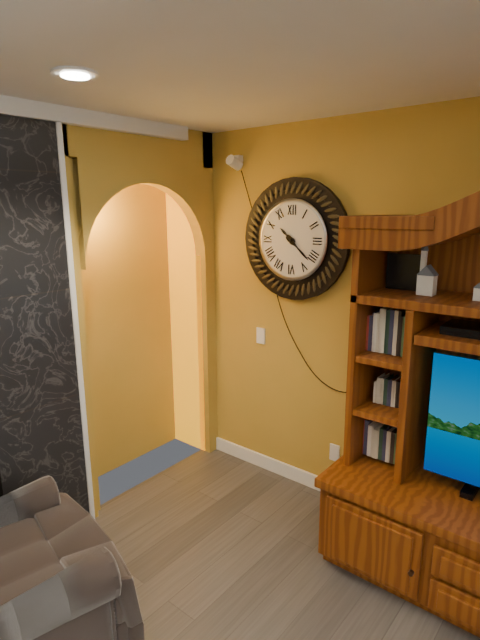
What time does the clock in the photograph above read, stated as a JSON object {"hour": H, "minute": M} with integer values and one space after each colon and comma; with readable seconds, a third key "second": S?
{"hour": 10, "minute": 22}
